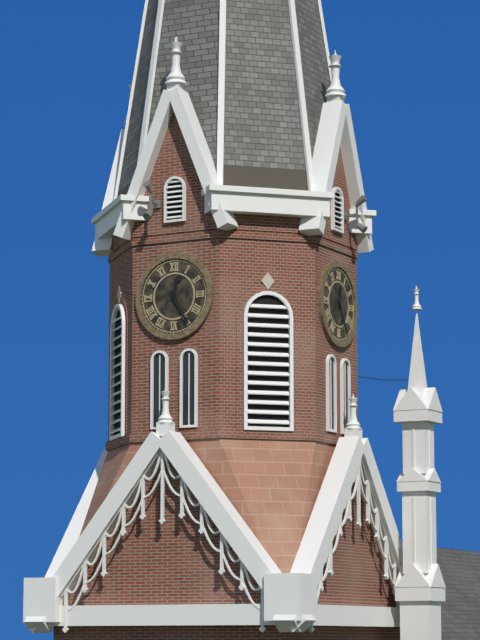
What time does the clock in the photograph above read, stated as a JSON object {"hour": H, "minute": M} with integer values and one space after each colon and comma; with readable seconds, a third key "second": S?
{"hour": 12, "minute": 25}
